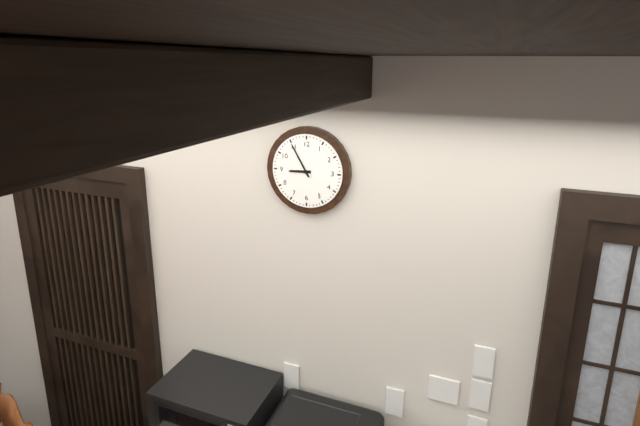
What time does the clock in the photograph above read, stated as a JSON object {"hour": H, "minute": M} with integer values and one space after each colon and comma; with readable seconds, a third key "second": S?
{"hour": 8, "minute": 55}
